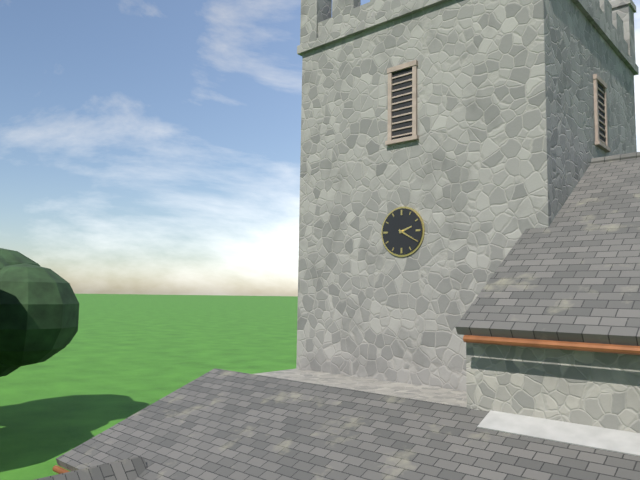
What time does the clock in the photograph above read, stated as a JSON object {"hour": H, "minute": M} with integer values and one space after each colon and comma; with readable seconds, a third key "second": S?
{"hour": 2, "minute": 20}
